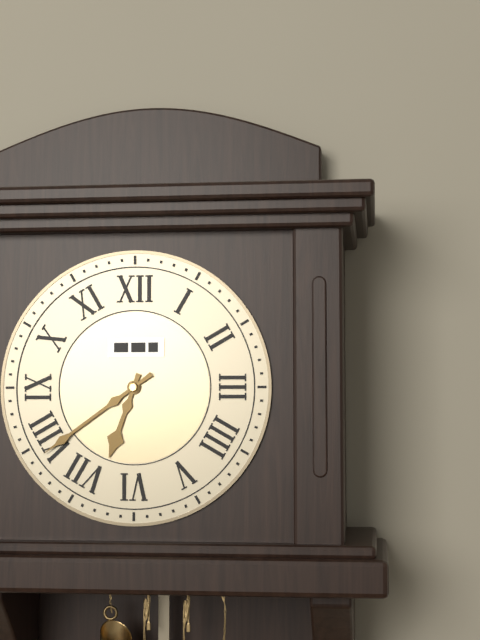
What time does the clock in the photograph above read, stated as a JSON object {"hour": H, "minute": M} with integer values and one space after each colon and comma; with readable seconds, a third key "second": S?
{"hour": 6, "minute": 39}
